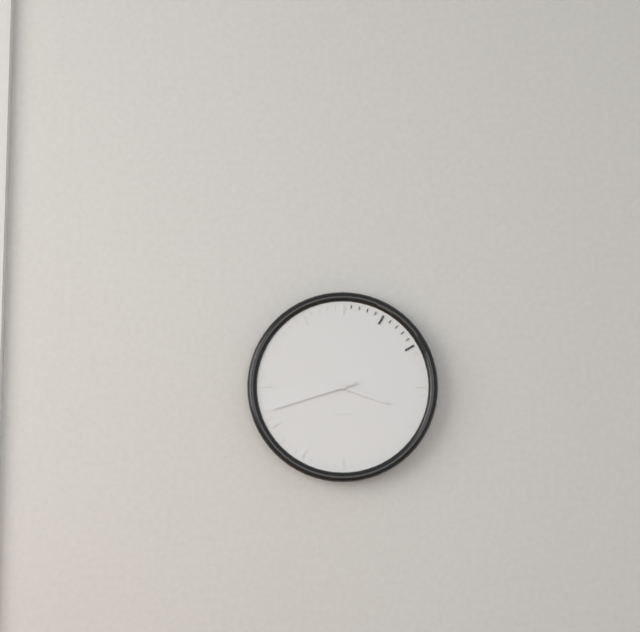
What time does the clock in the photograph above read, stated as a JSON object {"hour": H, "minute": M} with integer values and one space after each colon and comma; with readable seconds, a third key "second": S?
{"hour": 3, "minute": 42}
